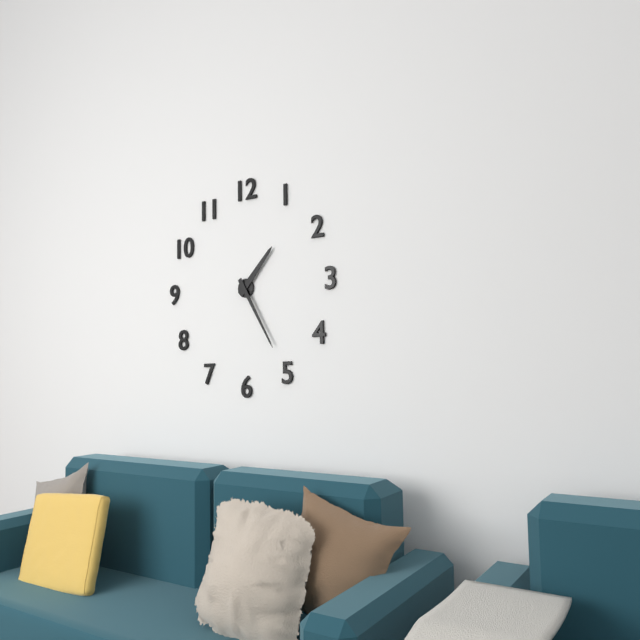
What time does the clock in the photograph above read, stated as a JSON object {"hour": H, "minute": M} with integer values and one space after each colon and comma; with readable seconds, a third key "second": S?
{"hour": 1, "minute": 25}
